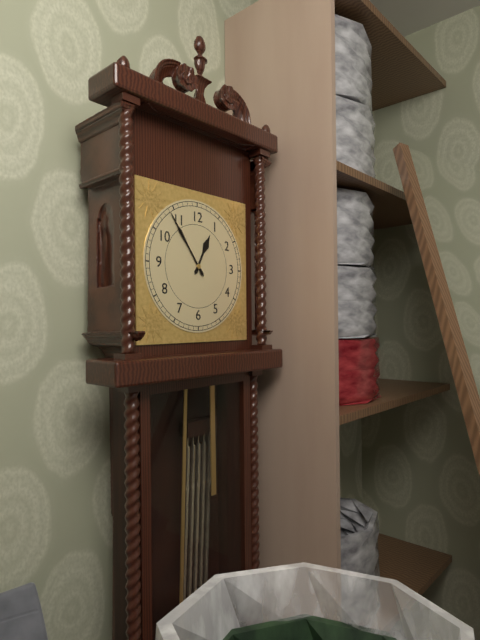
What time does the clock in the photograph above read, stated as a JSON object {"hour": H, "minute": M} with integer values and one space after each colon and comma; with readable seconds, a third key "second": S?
{"hour": 12, "minute": 54}
